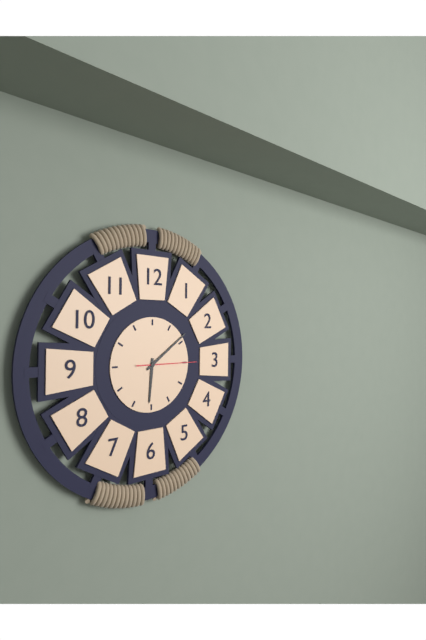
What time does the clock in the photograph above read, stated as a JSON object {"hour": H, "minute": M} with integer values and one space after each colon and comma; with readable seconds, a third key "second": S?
{"hour": 6, "minute": 9, "second": 15}
